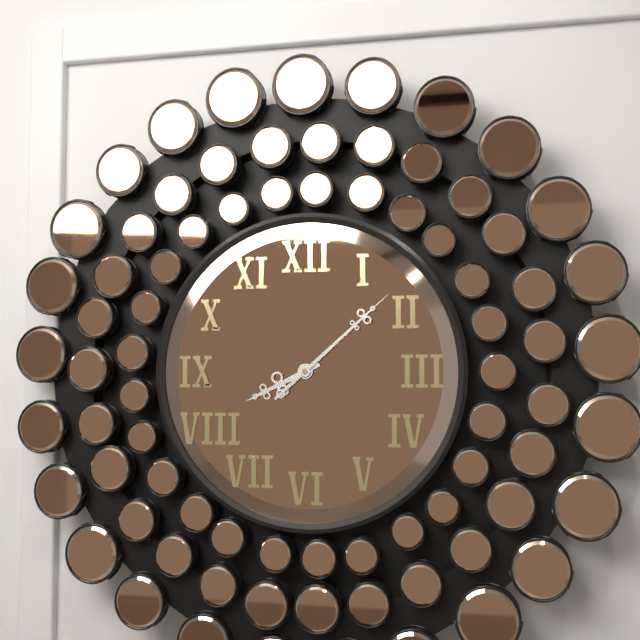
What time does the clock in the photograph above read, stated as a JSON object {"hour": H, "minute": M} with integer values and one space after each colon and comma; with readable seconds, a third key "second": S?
{"hour": 8, "minute": 8}
